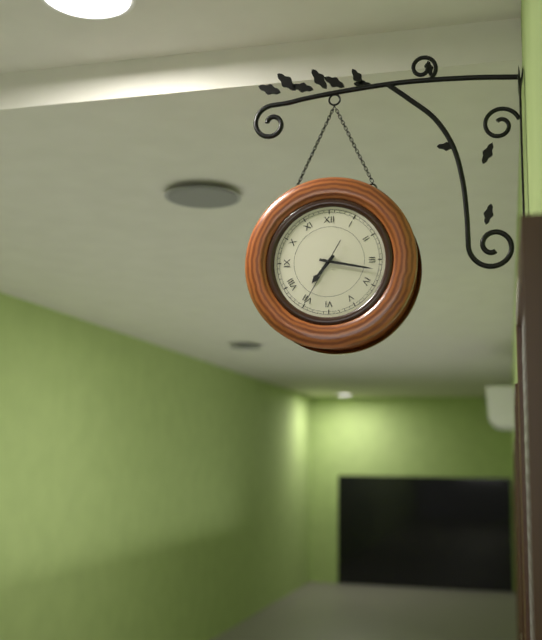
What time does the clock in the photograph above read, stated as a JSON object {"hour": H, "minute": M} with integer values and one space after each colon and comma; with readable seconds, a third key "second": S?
{"hour": 7, "minute": 17, "second": 35}
